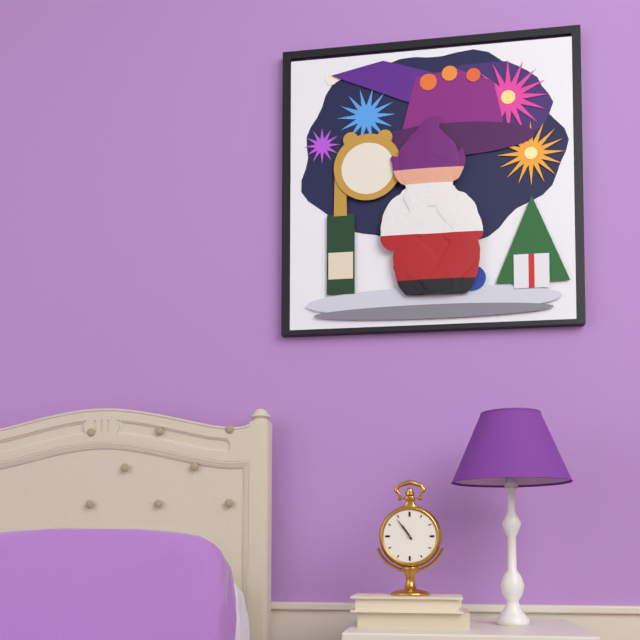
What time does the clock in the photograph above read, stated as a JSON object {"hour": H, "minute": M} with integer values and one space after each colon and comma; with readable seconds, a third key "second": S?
{"hour": 10, "minute": 54}
